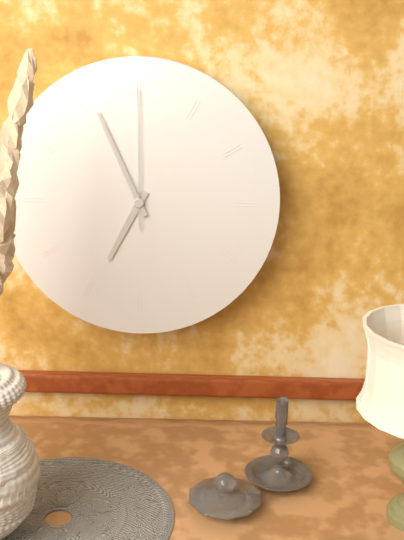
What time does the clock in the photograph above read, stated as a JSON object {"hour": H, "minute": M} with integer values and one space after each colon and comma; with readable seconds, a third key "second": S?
{"hour": 6, "minute": 56, "second": 0}
